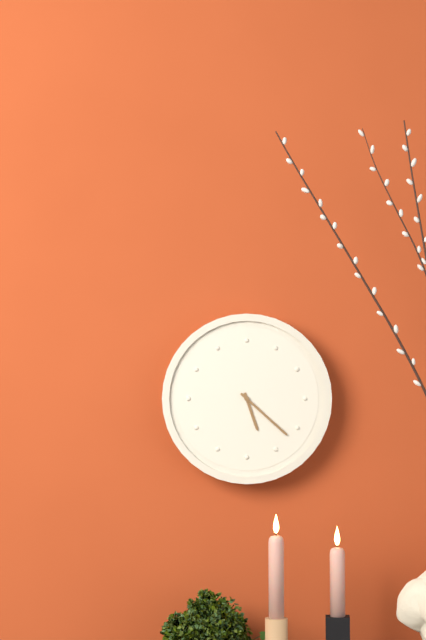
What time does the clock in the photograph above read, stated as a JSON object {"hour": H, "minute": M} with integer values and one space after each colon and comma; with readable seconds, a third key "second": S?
{"hour": 5, "minute": 22}
